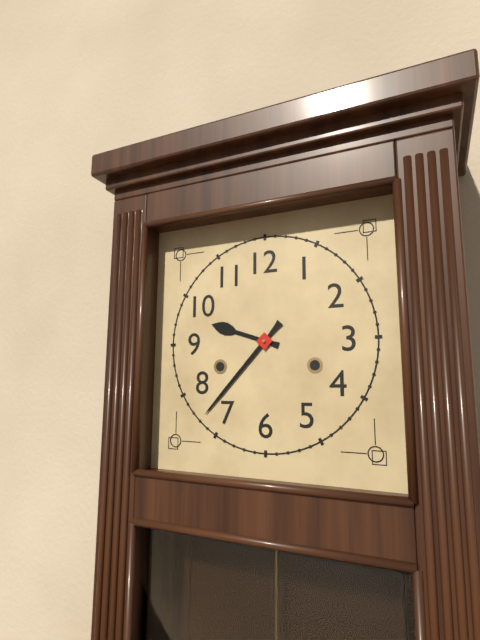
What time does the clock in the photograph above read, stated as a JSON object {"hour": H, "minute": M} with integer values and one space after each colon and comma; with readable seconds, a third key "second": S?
{"hour": 9, "minute": 37}
